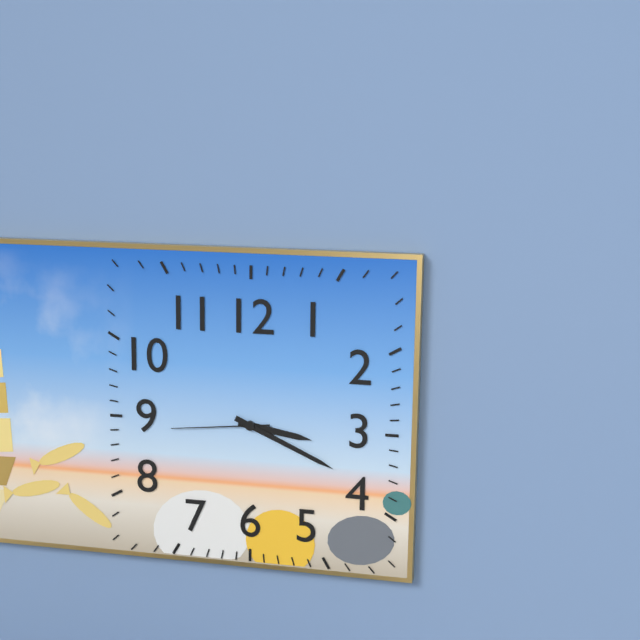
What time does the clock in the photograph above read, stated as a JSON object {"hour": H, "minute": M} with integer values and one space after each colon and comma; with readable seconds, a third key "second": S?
{"hour": 3, "minute": 19, "second": 44}
